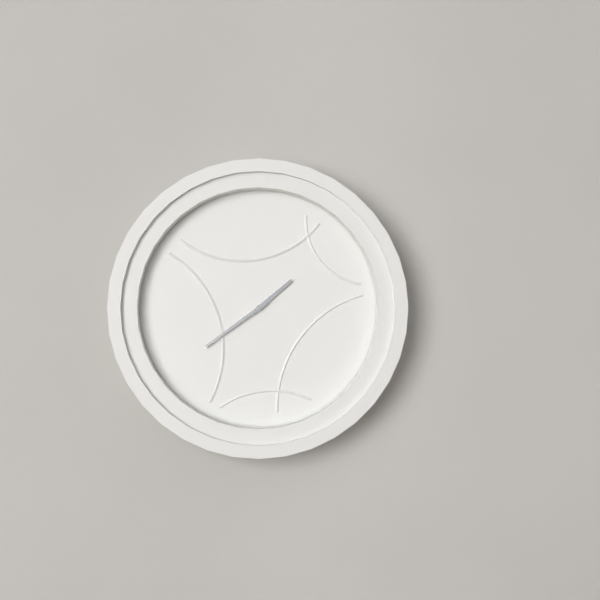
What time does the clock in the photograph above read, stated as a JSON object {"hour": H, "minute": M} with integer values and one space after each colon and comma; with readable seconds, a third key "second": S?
{"hour": 1, "minute": 39}
